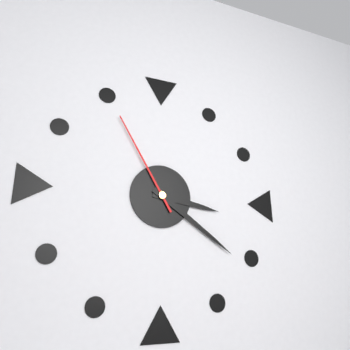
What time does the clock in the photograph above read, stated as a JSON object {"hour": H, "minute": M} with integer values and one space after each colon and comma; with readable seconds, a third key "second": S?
{"hour": 3, "minute": 21, "second": 55}
